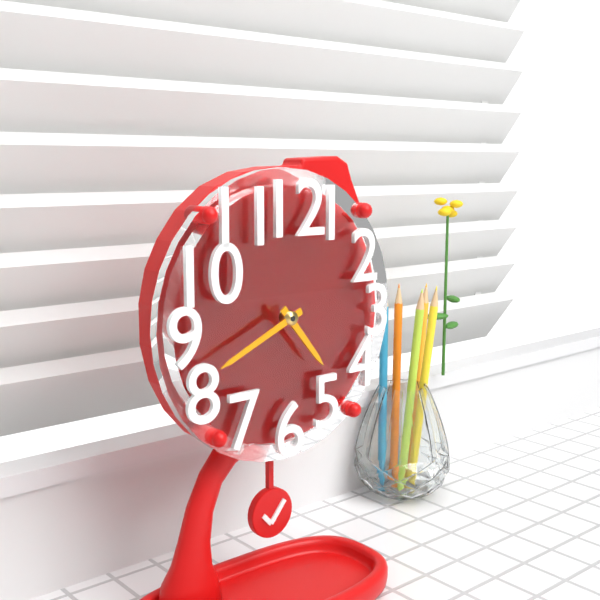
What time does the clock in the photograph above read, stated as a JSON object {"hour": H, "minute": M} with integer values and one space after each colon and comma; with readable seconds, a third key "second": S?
{"hour": 4, "minute": 41}
